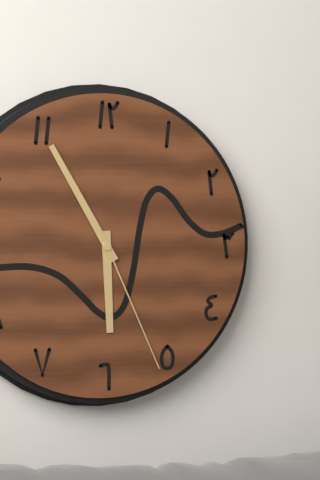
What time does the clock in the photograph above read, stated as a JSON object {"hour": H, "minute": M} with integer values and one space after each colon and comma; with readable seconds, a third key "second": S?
{"hour": 5, "minute": 55, "second": 26}
